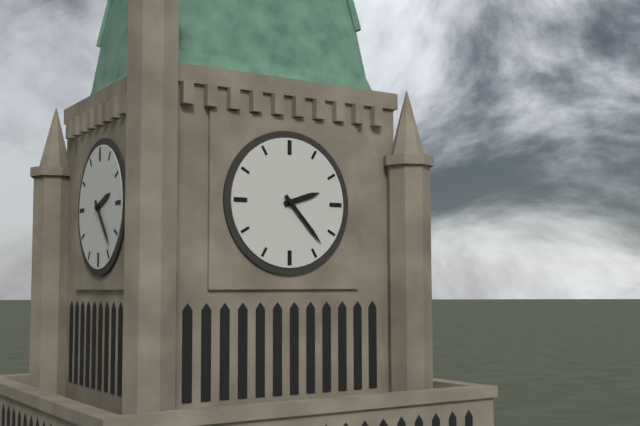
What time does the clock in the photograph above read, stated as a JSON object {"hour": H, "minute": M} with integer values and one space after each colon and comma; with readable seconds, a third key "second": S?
{"hour": 2, "minute": 23}
